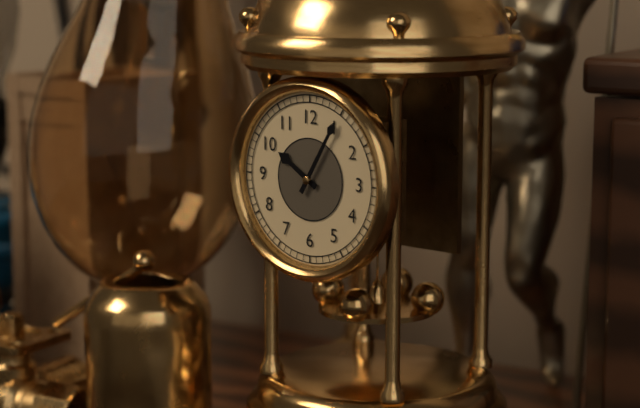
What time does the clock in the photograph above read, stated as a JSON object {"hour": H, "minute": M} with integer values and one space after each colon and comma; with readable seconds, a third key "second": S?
{"hour": 10, "minute": 5}
